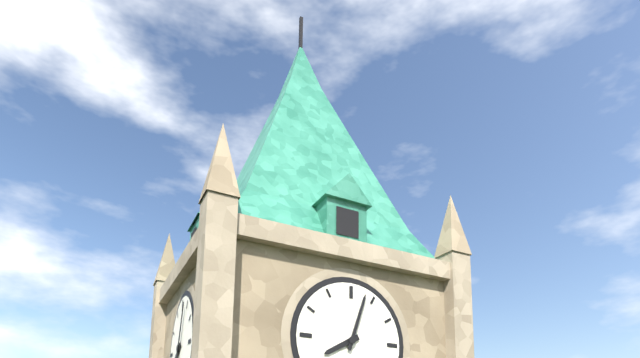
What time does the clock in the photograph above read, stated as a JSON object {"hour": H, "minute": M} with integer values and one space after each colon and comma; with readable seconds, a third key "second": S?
{"hour": 8, "minute": 3}
